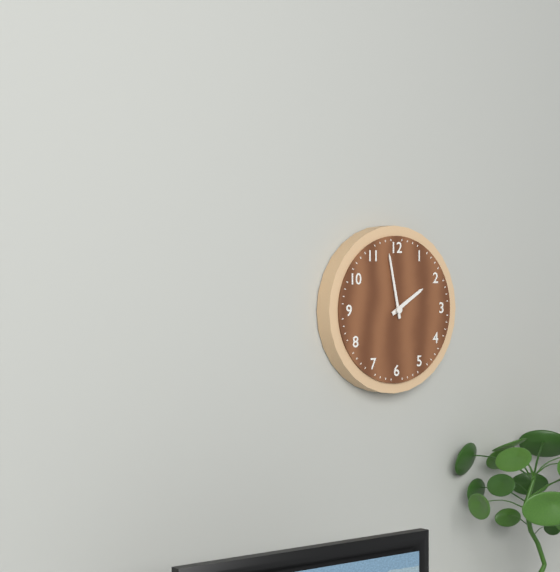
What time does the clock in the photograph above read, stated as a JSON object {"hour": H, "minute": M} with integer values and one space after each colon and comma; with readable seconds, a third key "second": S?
{"hour": 1, "minute": 58}
